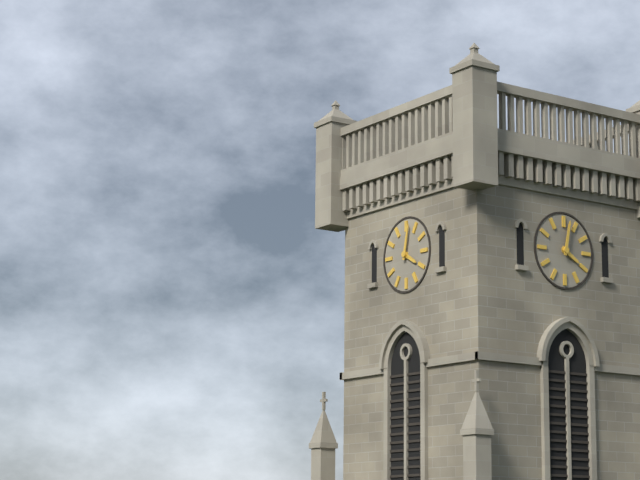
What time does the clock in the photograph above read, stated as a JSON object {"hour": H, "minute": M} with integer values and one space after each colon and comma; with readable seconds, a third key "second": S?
{"hour": 4, "minute": 2}
